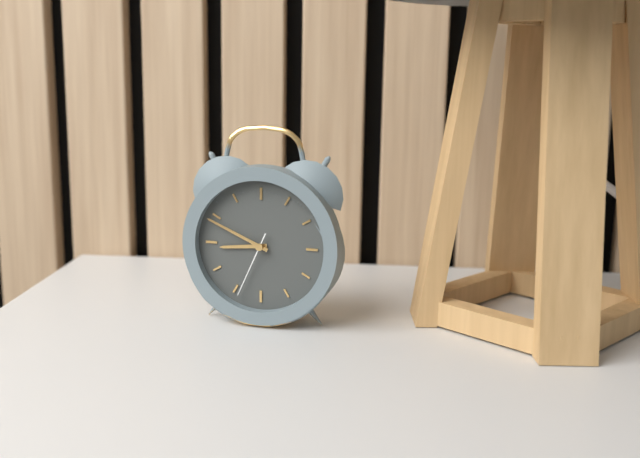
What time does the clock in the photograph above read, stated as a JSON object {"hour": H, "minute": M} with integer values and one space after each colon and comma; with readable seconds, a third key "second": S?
{"hour": 8, "minute": 49, "second": 34}
